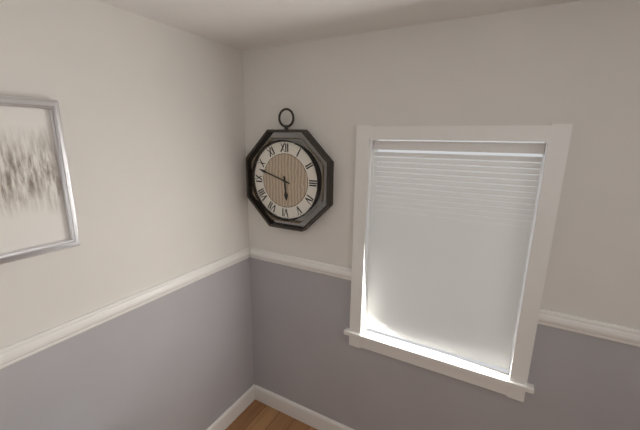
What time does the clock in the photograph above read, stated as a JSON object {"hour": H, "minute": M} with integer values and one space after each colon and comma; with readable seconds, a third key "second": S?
{"hour": 5, "minute": 48}
